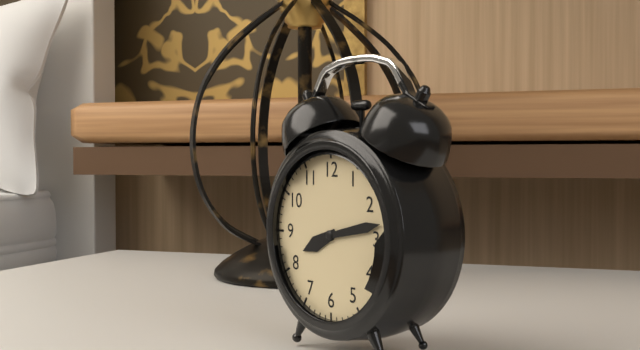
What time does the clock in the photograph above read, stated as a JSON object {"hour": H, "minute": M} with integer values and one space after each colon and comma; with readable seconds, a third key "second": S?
{"hour": 8, "minute": 13}
